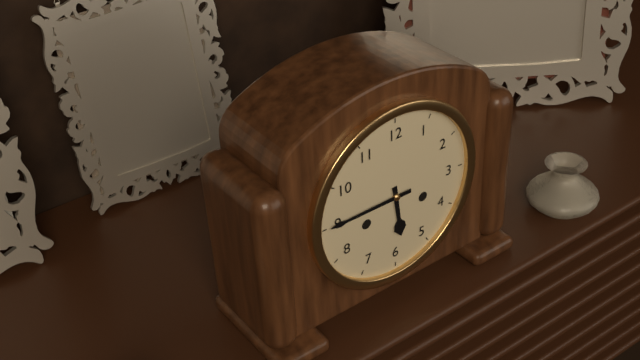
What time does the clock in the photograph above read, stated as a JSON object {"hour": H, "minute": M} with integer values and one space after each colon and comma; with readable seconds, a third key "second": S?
{"hour": 5, "minute": 45}
